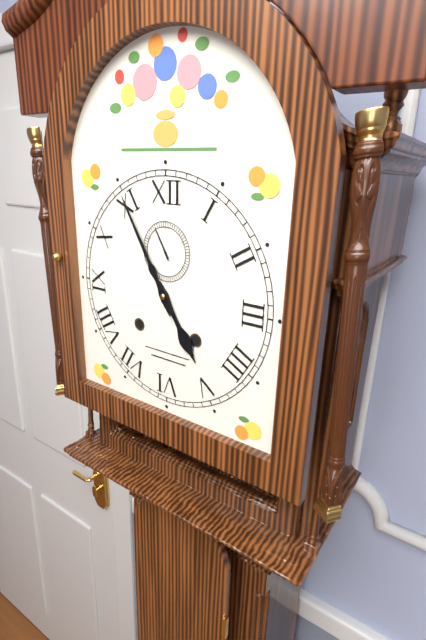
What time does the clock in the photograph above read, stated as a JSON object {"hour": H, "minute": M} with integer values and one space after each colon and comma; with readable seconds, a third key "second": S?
{"hour": 4, "minute": 55}
